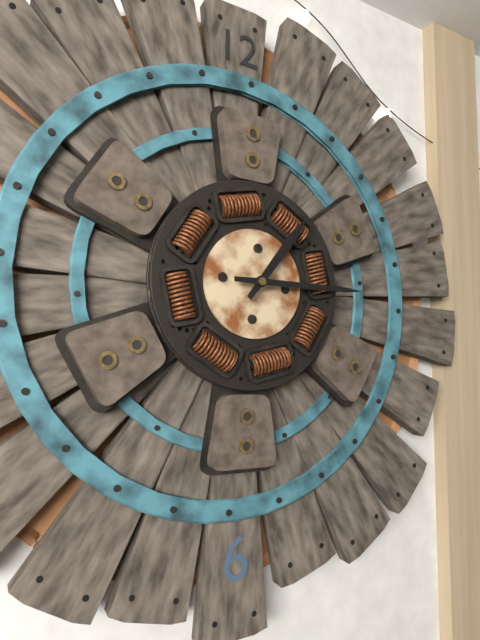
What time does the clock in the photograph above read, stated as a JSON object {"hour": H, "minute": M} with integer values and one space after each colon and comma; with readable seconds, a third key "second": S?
{"hour": 1, "minute": 15}
